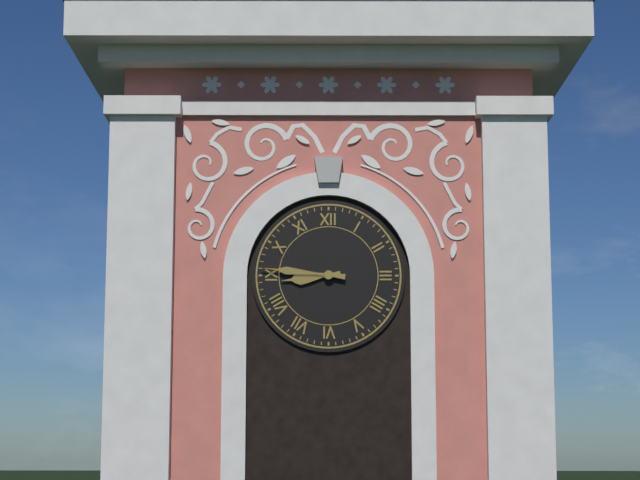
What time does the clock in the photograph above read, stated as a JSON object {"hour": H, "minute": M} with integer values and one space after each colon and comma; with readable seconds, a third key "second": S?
{"hour": 8, "minute": 46}
